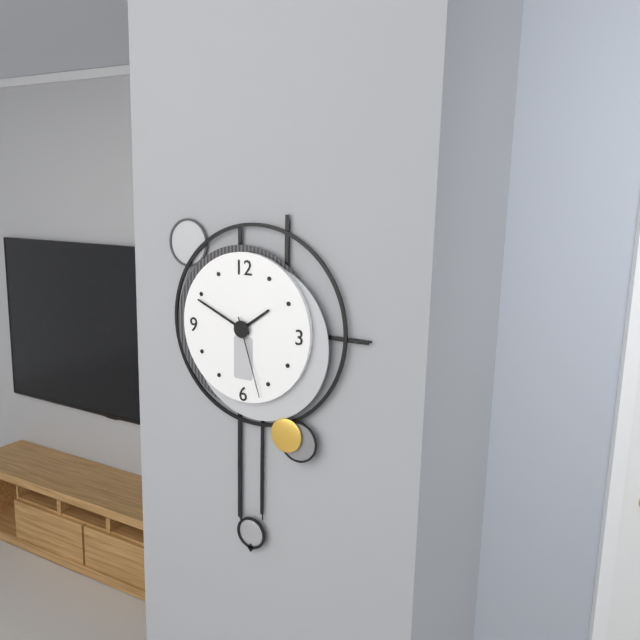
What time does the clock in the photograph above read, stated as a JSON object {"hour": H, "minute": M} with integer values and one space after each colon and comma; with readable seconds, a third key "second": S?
{"hour": 1, "minute": 49, "second": 27}
